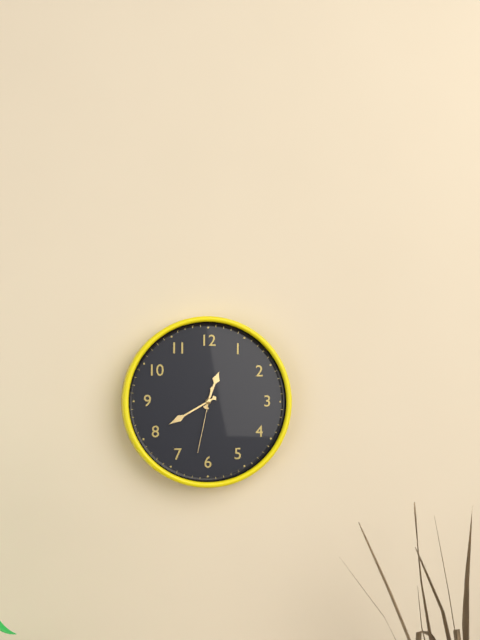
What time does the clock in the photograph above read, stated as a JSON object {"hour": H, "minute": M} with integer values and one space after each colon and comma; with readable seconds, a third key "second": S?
{"hour": 12, "minute": 40, "second": 32}
